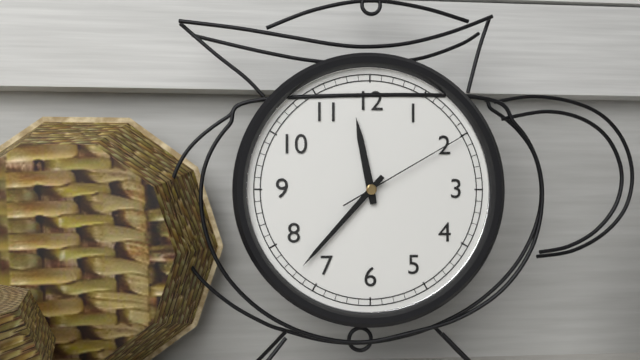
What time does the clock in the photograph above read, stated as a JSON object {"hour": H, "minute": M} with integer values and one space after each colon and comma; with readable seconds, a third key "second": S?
{"hour": 11, "minute": 37, "second": 10}
